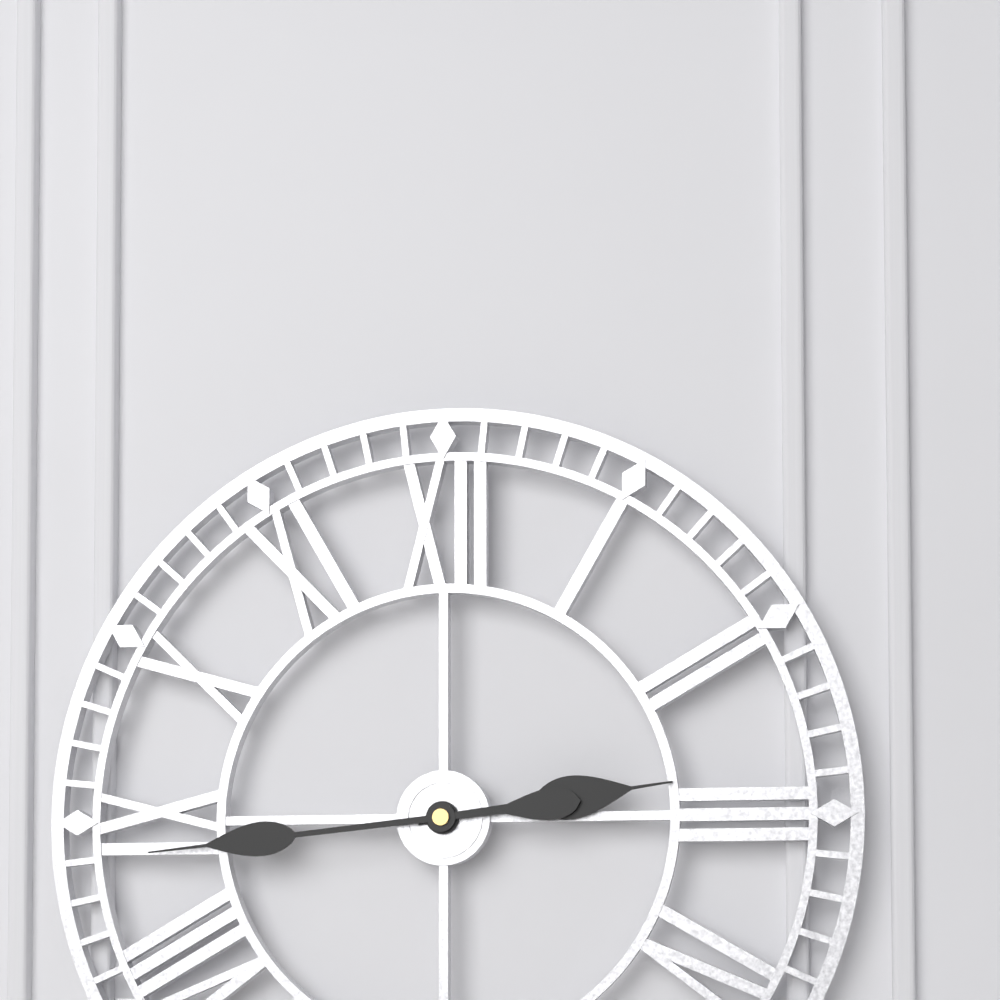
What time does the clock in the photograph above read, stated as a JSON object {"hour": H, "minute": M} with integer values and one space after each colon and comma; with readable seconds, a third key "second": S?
{"hour": 2, "minute": 44}
